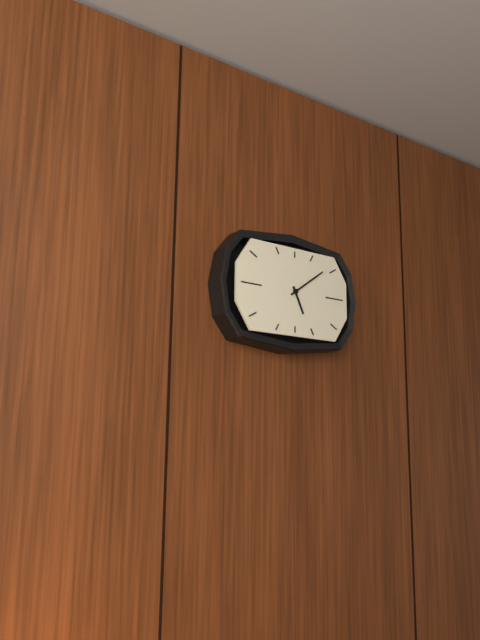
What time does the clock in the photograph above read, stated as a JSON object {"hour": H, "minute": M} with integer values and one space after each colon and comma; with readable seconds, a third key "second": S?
{"hour": 5, "minute": 9}
